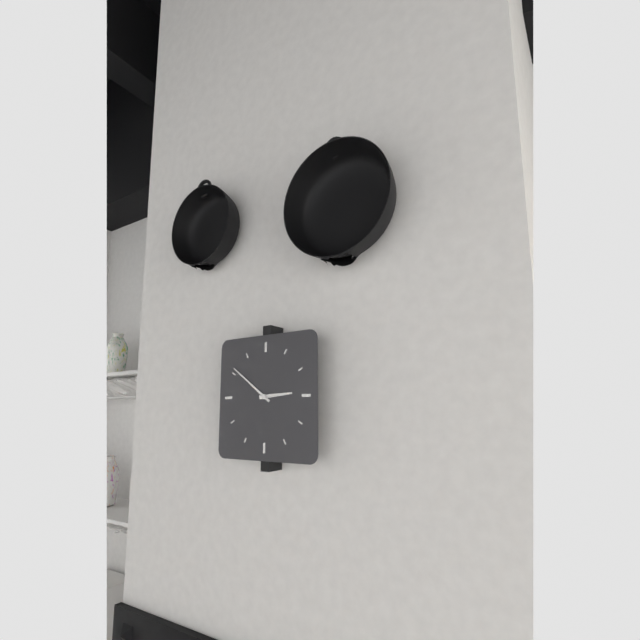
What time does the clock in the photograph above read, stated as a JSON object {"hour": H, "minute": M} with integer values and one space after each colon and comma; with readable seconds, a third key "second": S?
{"hour": 2, "minute": 51}
